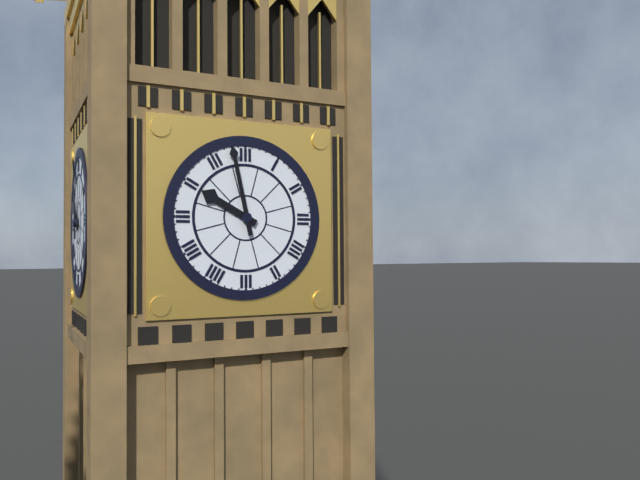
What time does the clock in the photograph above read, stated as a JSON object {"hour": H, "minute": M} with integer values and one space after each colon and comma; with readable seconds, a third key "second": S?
{"hour": 9, "minute": 58}
